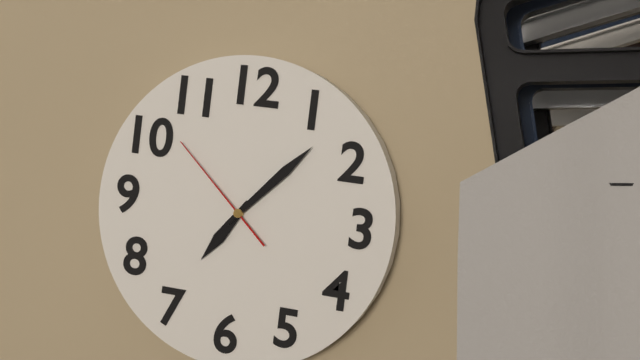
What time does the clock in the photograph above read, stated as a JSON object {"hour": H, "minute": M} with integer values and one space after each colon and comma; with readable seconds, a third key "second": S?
{"hour": 7, "minute": 7, "second": 52}
